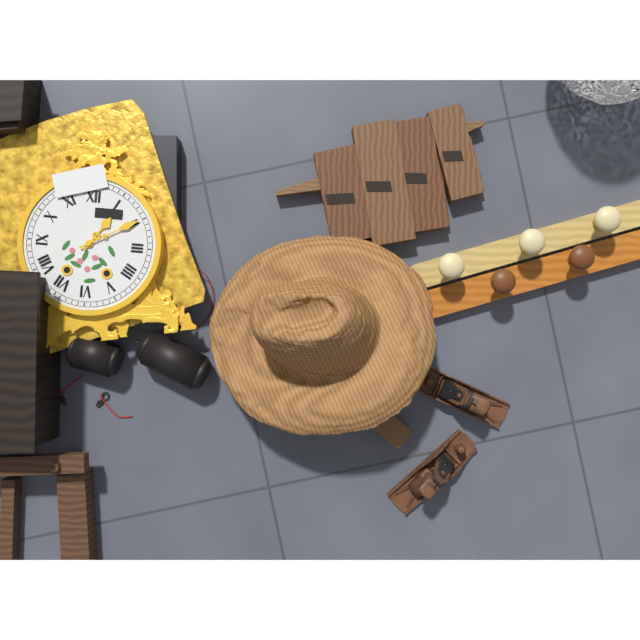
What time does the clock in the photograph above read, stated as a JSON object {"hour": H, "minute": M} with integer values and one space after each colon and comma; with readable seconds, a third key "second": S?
{"hour": 1, "minute": 10}
